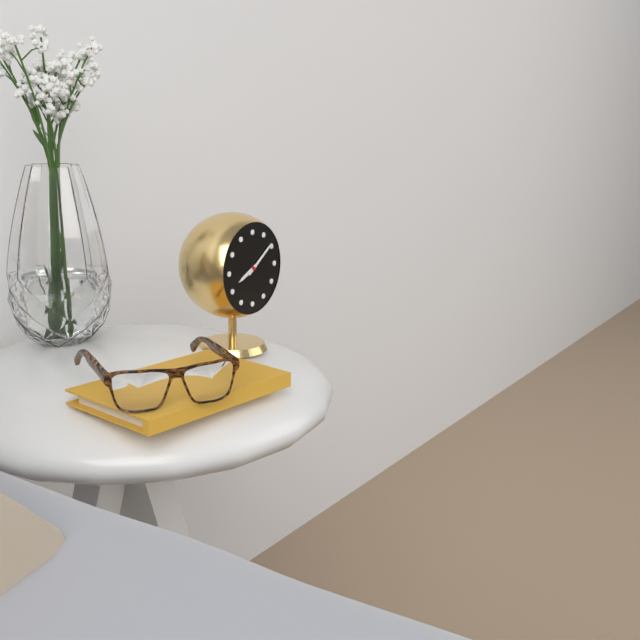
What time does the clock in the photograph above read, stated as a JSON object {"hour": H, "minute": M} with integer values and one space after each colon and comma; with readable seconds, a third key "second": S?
{"hour": 8, "minute": 9}
